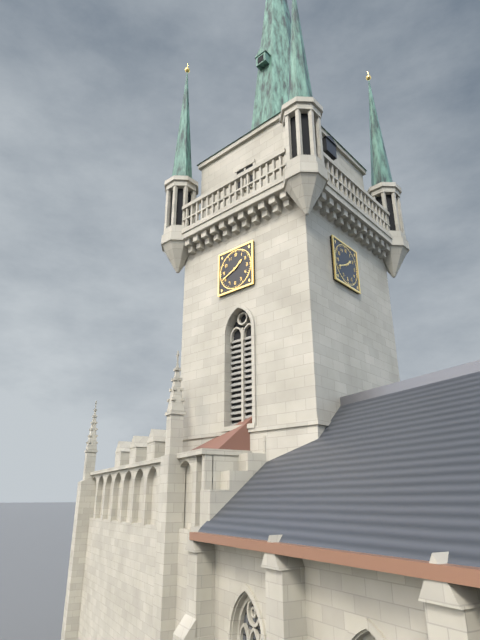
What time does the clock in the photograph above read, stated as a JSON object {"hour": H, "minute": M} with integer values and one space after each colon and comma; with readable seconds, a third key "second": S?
{"hour": 1, "minute": 41}
